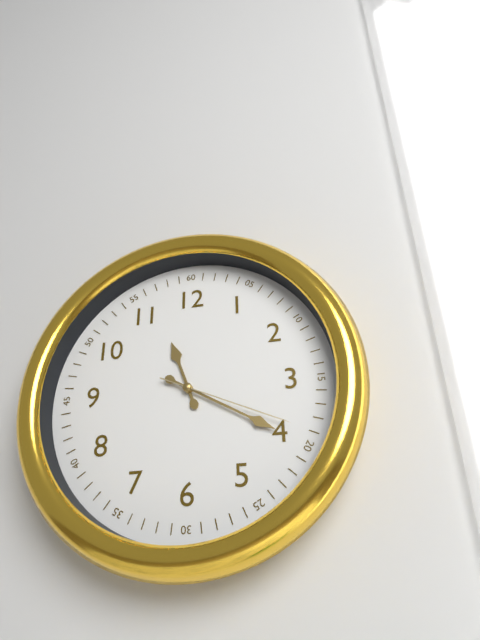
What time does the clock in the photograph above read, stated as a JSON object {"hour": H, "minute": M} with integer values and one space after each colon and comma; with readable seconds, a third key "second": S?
{"hour": 11, "minute": 20, "second": 19}
